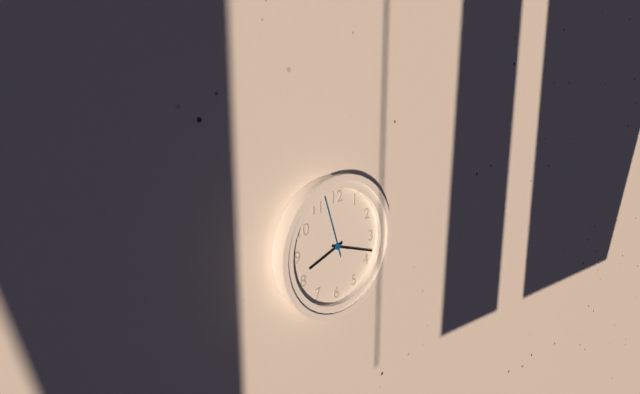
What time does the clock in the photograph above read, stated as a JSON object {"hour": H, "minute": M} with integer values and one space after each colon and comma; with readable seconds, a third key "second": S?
{"hour": 8, "minute": 18, "second": 57}
